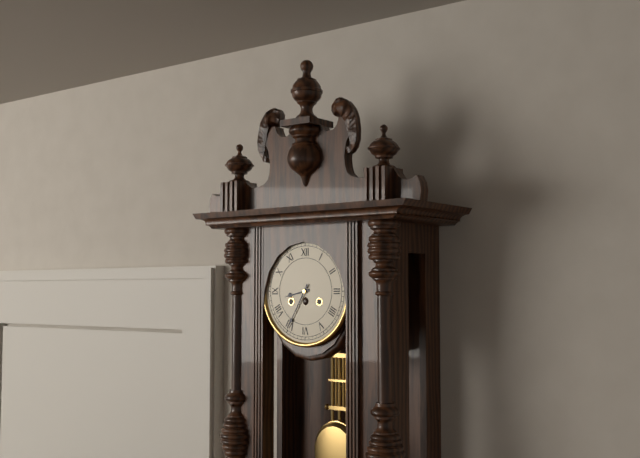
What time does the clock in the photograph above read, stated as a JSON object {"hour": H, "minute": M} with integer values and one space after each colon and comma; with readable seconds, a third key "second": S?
{"hour": 8, "minute": 35}
